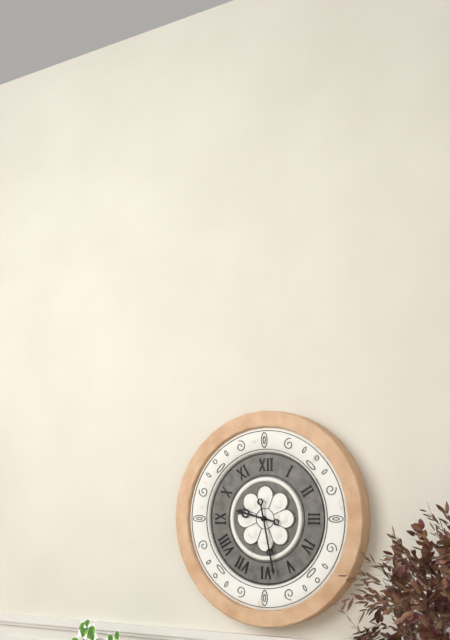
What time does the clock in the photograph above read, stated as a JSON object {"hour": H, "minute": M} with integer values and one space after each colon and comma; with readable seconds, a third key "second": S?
{"hour": 9, "minute": 28}
